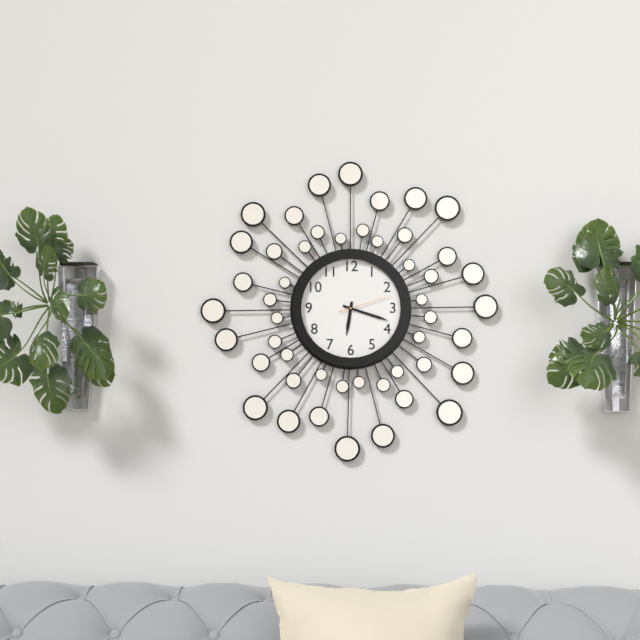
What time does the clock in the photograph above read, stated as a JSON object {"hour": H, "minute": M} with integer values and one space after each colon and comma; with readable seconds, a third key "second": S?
{"hour": 6, "minute": 18, "second": 12}
